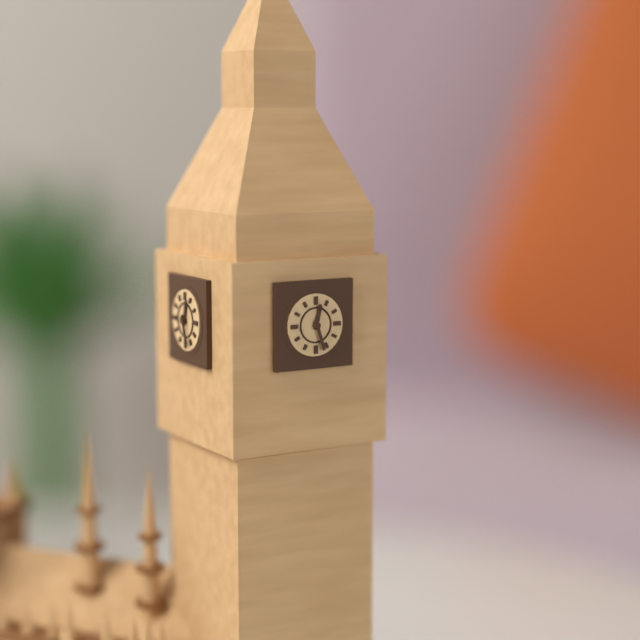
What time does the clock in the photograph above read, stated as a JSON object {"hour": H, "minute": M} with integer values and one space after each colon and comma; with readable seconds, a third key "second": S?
{"hour": 12, "minute": 27}
